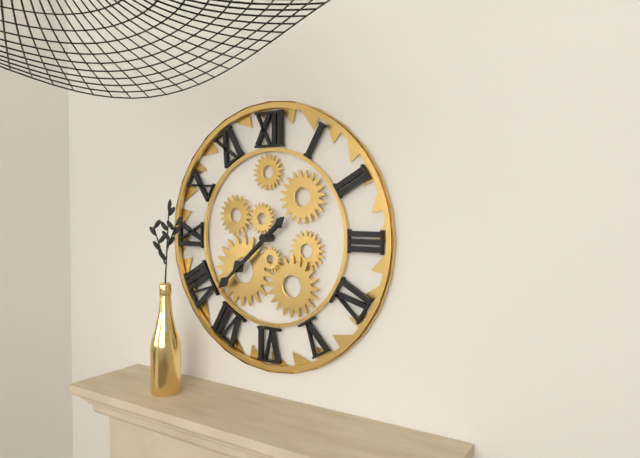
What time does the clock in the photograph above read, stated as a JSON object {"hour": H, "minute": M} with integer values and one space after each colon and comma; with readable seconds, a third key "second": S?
{"hour": 7, "minute": 38}
